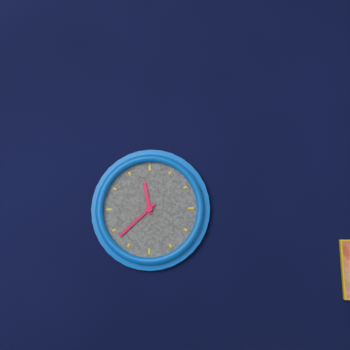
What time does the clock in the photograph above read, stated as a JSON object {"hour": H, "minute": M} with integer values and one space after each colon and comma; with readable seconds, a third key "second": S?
{"hour": 11, "minute": 38}
